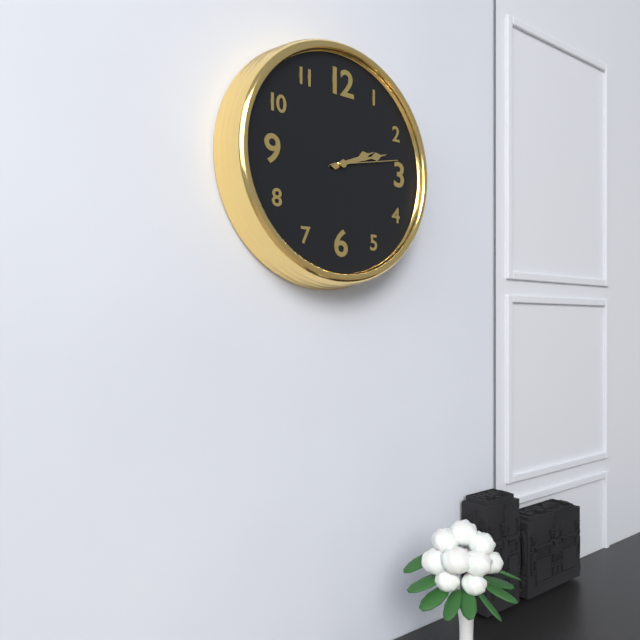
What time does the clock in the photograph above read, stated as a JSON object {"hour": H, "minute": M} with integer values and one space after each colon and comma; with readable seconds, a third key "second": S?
{"hour": 2, "minute": 12, "second": 13}
